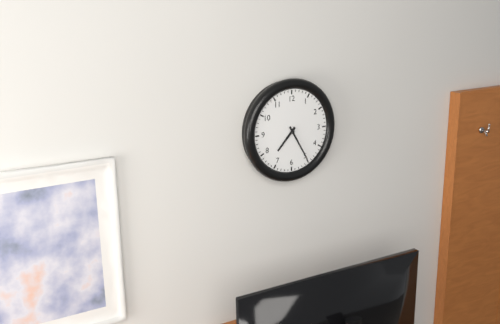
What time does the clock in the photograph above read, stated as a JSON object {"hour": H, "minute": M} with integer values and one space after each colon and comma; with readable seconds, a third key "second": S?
{"hour": 7, "minute": 25}
